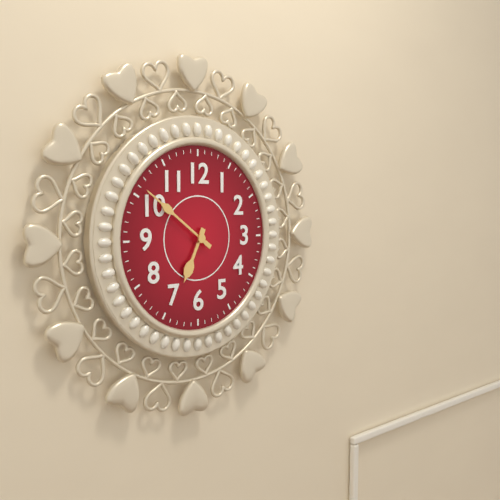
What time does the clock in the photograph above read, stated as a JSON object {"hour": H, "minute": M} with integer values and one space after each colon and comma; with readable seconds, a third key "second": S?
{"hour": 6, "minute": 51}
